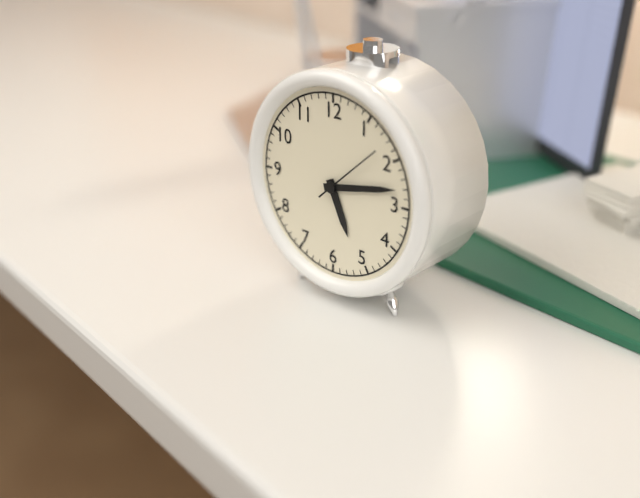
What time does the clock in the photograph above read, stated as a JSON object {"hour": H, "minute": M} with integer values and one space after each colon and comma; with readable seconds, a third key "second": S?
{"hour": 5, "minute": 13, "second": 8}
